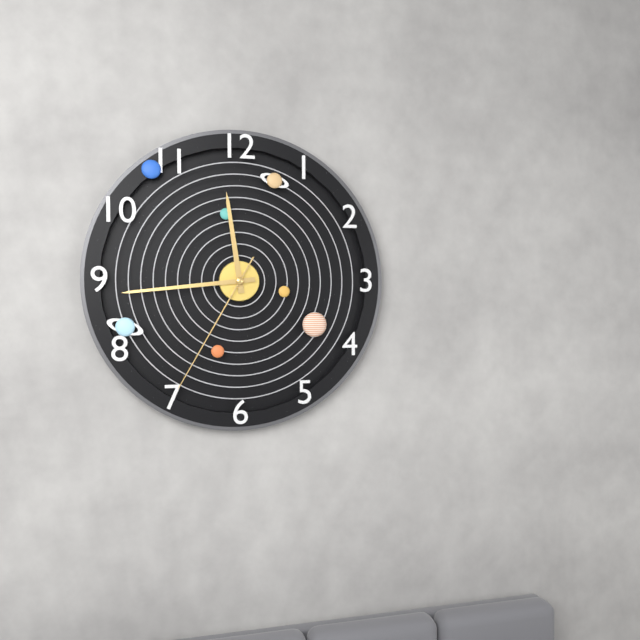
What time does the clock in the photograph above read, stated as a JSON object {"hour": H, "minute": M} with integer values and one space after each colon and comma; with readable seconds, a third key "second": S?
{"hour": 11, "minute": 44, "second": 35}
